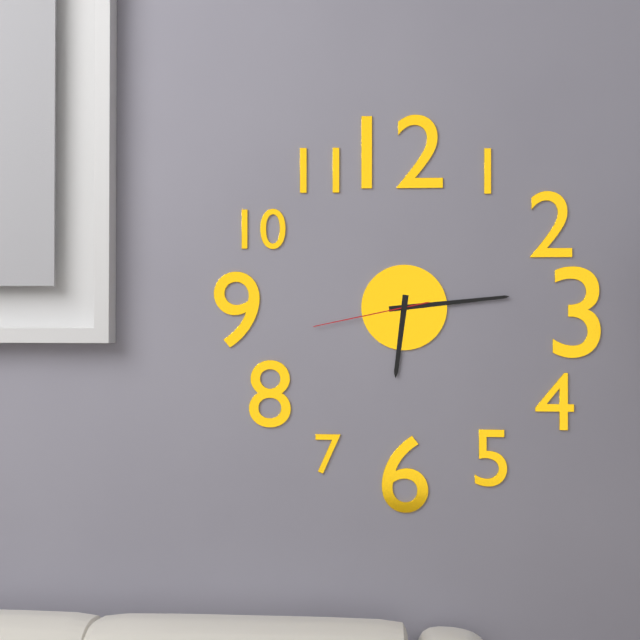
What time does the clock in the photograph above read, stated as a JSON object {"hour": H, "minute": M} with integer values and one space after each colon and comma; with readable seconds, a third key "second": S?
{"hour": 6, "minute": 14, "second": 43}
